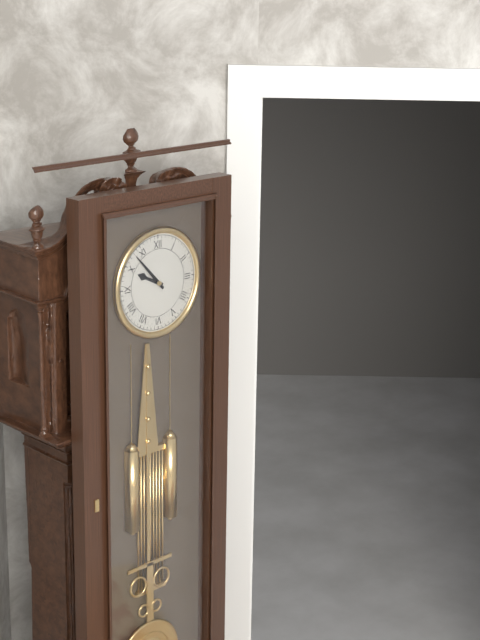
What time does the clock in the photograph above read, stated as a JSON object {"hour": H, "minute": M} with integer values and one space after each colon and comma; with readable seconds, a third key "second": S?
{"hour": 9, "minute": 53}
